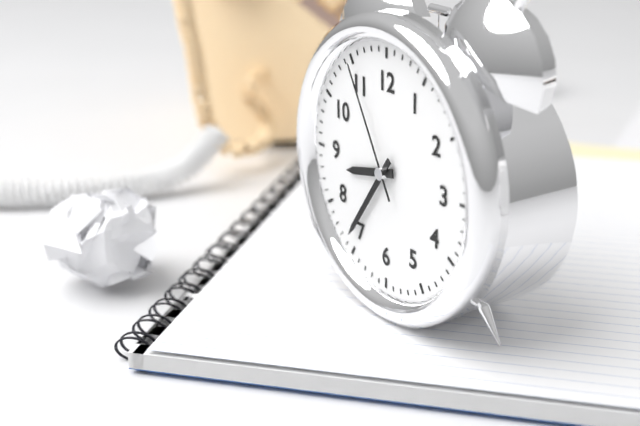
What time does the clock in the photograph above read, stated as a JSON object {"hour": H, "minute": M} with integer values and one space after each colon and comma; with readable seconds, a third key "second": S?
{"hour": 8, "minute": 36, "second": 55}
